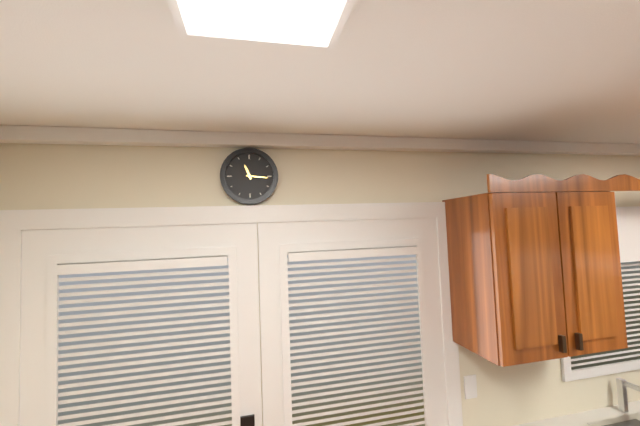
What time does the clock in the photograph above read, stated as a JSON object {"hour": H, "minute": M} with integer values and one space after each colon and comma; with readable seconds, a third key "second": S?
{"hour": 11, "minute": 16}
